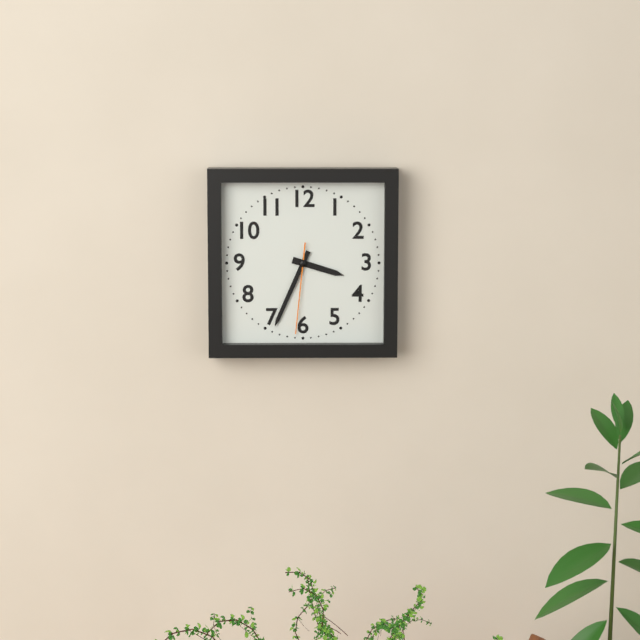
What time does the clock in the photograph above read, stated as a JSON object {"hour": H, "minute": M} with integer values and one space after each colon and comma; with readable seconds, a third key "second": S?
{"hour": 3, "minute": 34, "second": 31}
